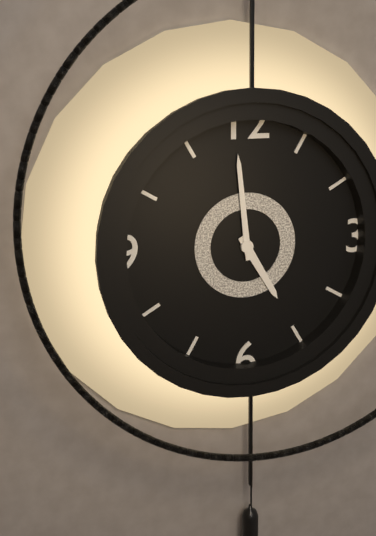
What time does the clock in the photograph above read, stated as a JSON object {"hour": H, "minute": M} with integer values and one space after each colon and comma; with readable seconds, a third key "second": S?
{"hour": 4, "minute": 59}
